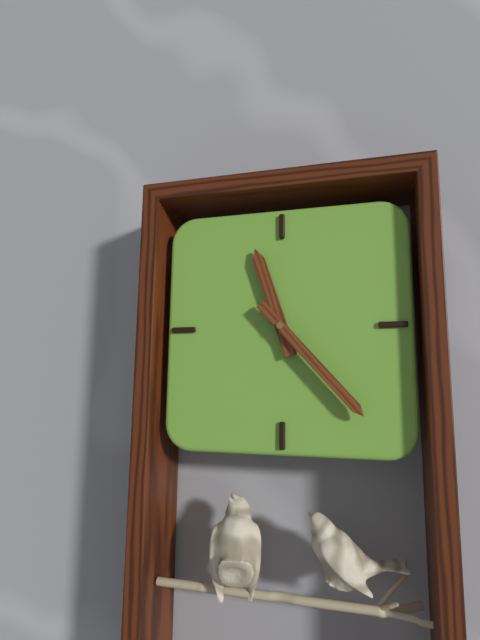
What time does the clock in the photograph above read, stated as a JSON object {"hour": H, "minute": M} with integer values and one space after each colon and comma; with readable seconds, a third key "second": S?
{"hour": 11, "minute": 23}
